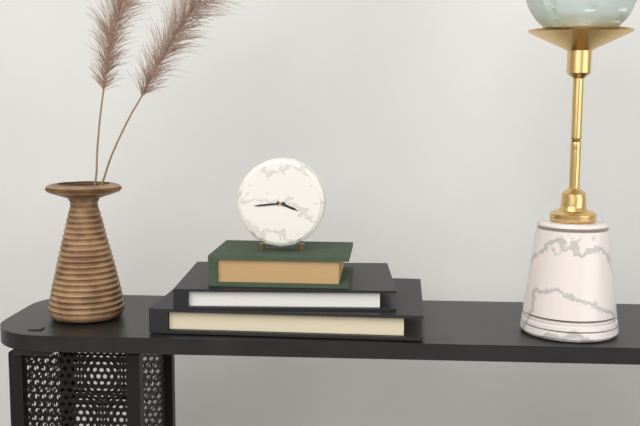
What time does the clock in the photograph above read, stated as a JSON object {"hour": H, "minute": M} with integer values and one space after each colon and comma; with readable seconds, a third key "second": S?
{"hour": 3, "minute": 44}
